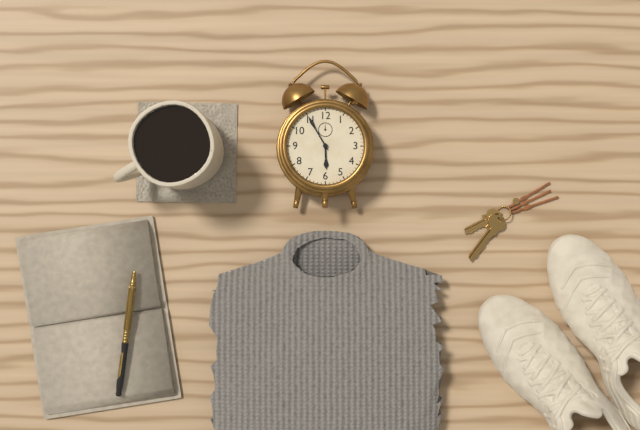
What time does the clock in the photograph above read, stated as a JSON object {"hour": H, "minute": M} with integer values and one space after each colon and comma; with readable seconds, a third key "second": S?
{"hour": 5, "minute": 55}
